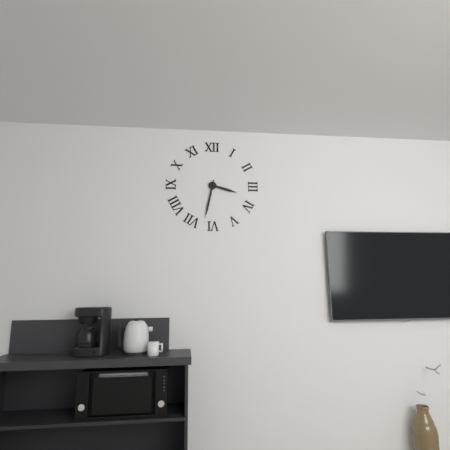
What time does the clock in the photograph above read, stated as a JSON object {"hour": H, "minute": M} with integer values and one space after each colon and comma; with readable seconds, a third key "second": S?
{"hour": 3, "minute": 32}
